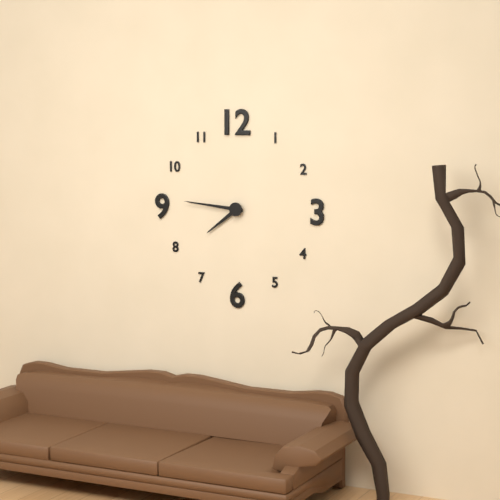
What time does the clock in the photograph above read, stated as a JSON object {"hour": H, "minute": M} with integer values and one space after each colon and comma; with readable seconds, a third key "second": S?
{"hour": 7, "minute": 46}
